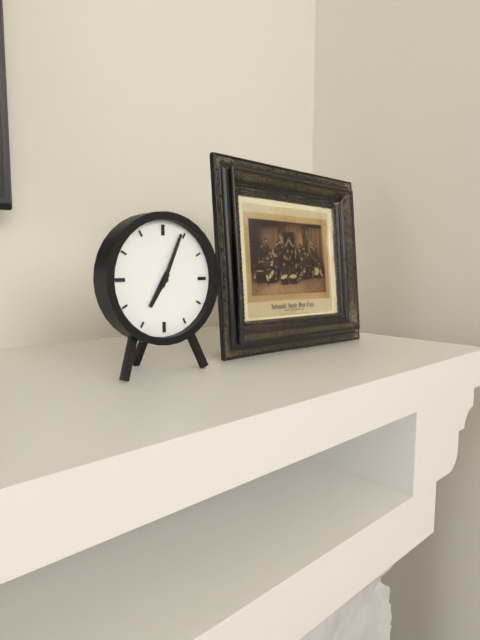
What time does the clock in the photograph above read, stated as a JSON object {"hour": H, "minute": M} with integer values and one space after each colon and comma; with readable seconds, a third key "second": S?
{"hour": 7, "minute": 4}
